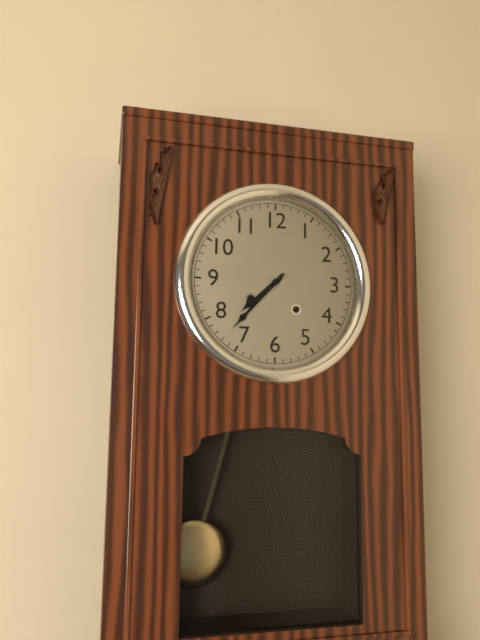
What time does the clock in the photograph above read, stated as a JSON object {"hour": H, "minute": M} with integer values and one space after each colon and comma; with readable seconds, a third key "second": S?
{"hour": 7, "minute": 37}
